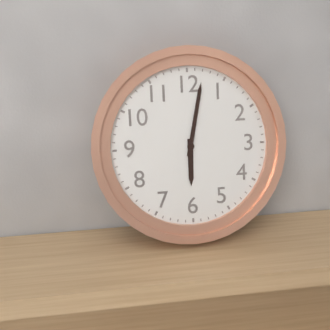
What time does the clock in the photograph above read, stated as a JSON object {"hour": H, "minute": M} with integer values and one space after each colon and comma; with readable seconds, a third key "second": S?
{"hour": 6, "minute": 2}
